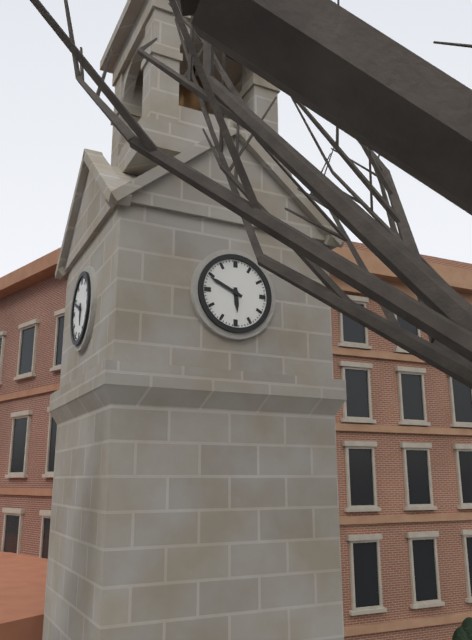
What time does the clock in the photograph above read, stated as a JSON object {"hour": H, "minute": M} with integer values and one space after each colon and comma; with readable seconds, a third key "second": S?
{"hour": 5, "minute": 49}
